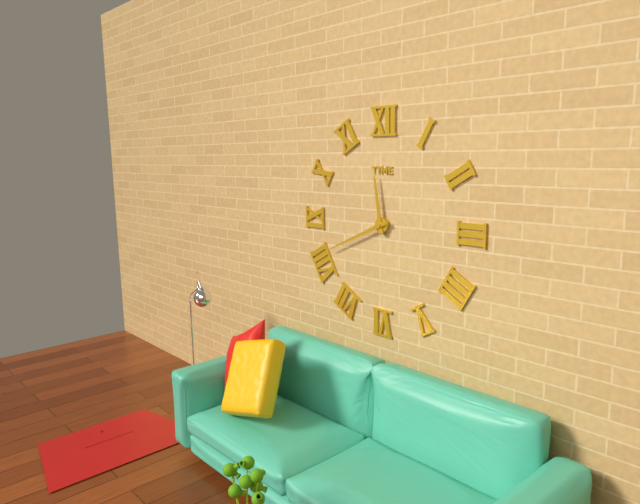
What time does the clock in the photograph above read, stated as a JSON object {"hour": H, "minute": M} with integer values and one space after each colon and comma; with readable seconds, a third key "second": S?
{"hour": 11, "minute": 41}
